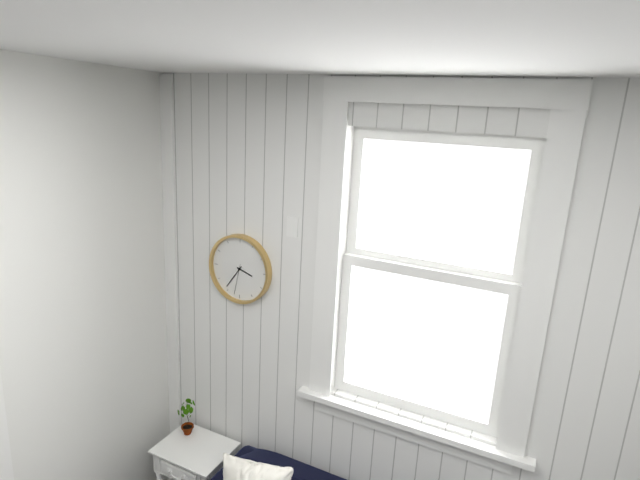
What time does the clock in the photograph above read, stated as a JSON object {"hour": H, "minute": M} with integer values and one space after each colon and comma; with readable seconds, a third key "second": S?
{"hour": 3, "minute": 36}
